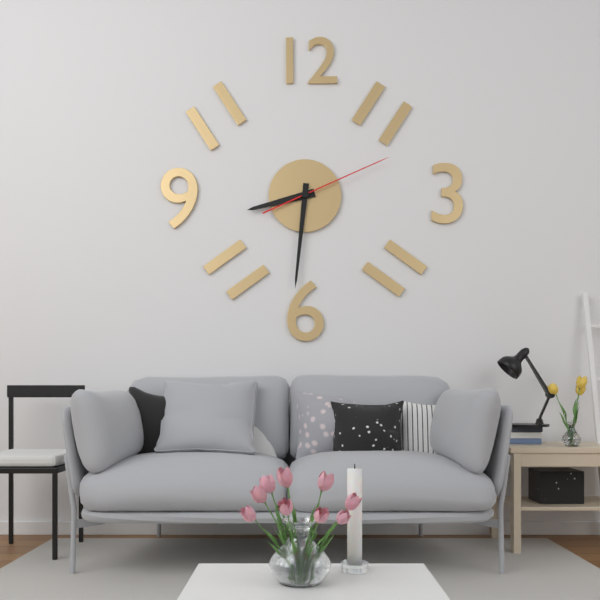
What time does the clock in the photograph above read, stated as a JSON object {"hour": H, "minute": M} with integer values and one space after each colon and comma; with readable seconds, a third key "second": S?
{"hour": 8, "minute": 31, "second": 11}
